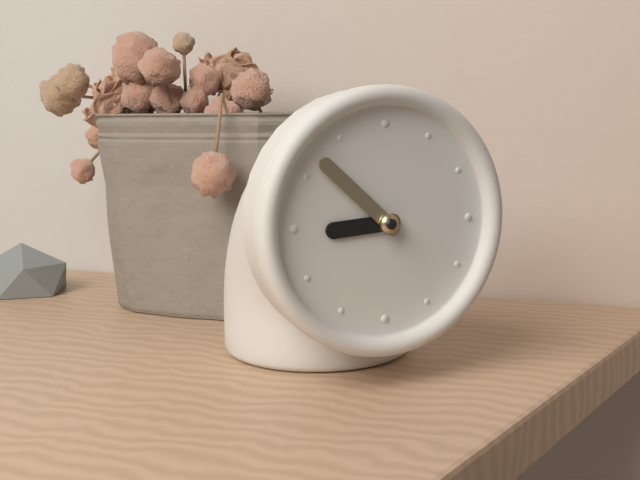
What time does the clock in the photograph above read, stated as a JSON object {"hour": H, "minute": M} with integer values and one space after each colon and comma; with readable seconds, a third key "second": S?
{"hour": 8, "minute": 52}
